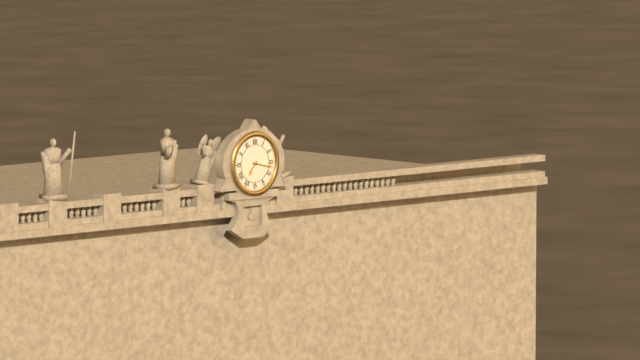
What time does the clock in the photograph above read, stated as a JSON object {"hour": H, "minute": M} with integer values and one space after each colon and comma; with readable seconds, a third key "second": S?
{"hour": 7, "minute": 17}
